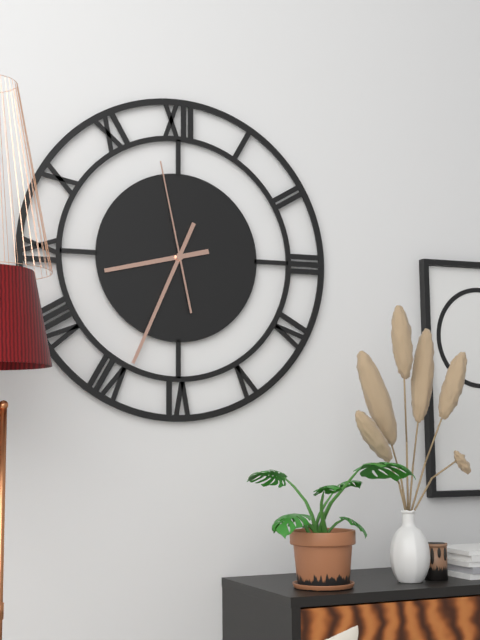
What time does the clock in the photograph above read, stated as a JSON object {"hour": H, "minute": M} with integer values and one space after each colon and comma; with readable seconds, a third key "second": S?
{"hour": 8, "minute": 34, "second": 58}
